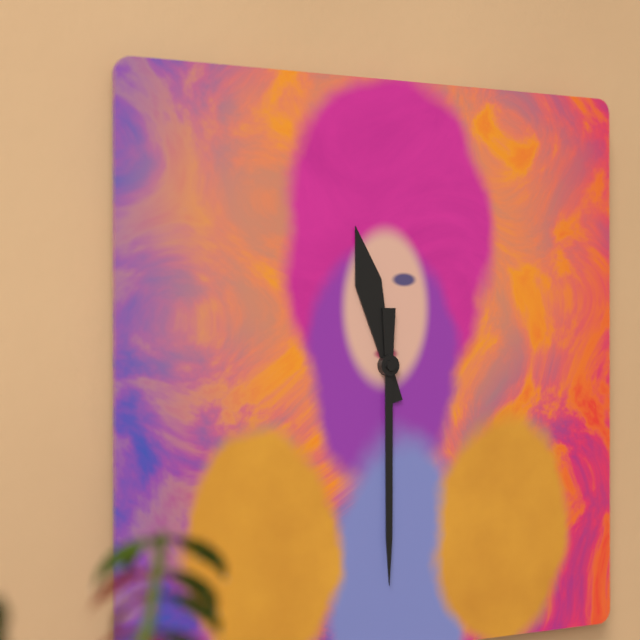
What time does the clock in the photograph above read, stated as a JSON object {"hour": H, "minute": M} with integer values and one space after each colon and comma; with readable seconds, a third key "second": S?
{"hour": 11, "minute": 30}
